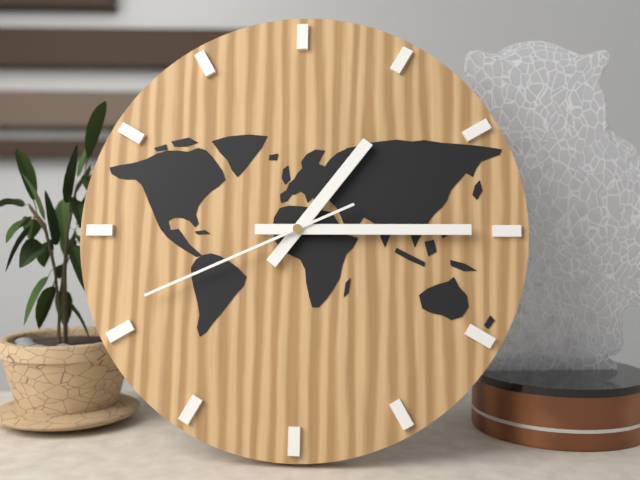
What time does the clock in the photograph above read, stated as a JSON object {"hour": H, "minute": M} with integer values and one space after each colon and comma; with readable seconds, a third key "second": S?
{"hour": 1, "minute": 15, "second": 41}
